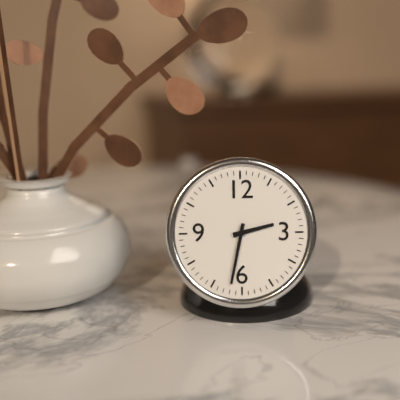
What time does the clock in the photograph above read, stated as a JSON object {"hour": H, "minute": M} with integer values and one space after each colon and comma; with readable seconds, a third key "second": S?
{"hour": 2, "minute": 32}
